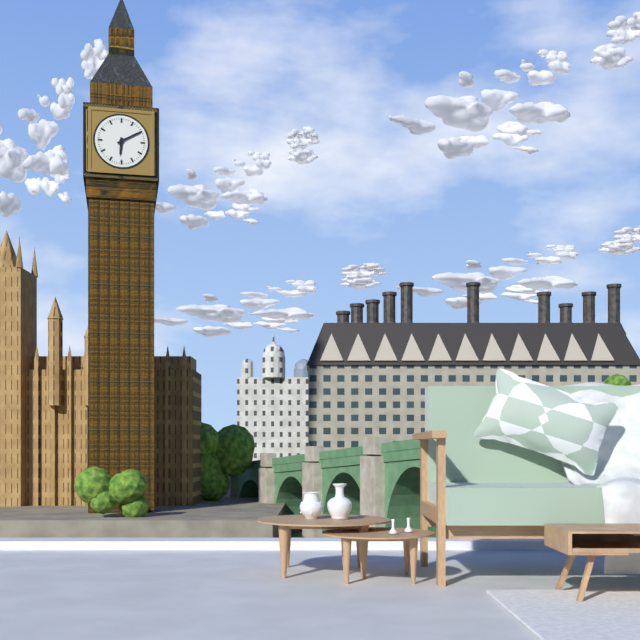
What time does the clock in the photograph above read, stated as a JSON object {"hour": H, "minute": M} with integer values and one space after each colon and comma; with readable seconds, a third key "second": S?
{"hour": 6, "minute": 10}
